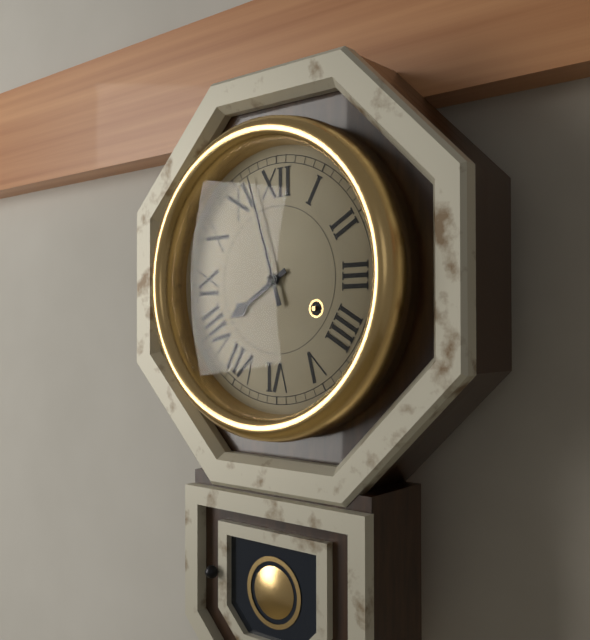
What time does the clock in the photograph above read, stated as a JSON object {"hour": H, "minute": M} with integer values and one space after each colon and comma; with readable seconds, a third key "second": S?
{"hour": 7, "minute": 57}
